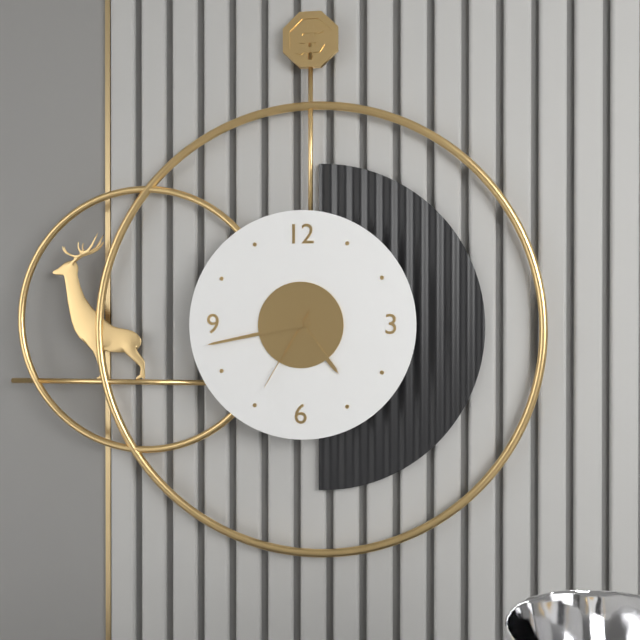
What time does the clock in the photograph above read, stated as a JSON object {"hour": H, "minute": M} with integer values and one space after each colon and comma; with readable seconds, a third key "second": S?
{"hour": 4, "minute": 43, "second": 35}
